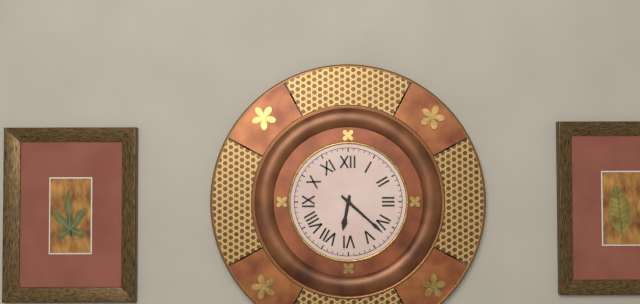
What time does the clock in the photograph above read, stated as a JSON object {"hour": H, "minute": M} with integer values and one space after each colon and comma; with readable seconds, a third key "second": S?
{"hour": 6, "minute": 22}
